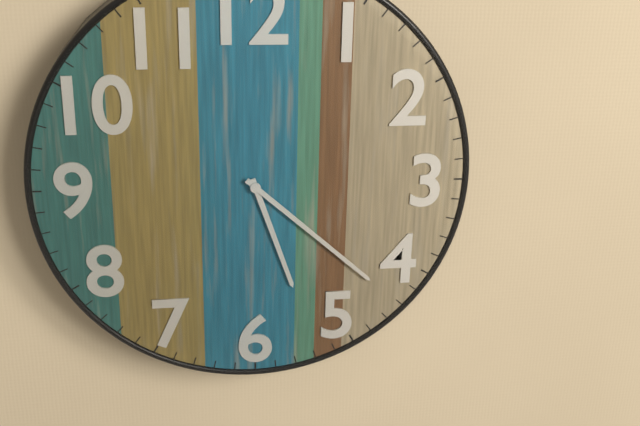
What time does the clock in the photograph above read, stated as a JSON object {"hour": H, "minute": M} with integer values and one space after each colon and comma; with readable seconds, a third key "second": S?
{"hour": 5, "minute": 22}
